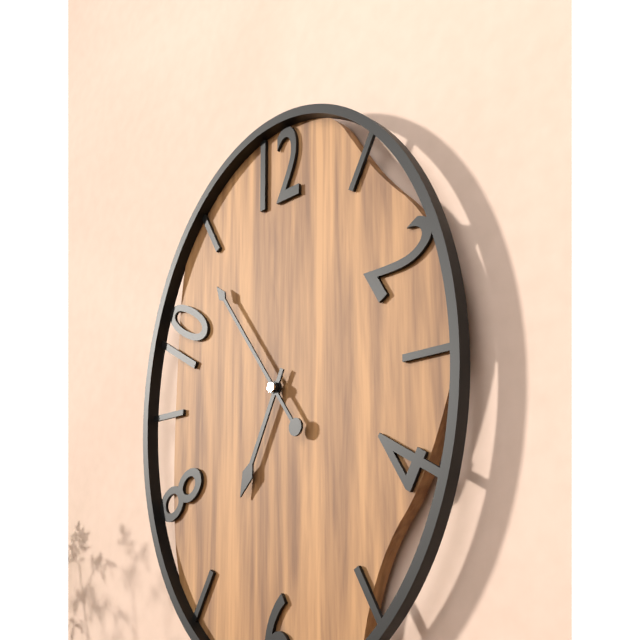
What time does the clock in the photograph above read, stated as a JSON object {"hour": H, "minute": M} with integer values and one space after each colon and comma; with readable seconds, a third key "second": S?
{"hour": 6, "minute": 54}
